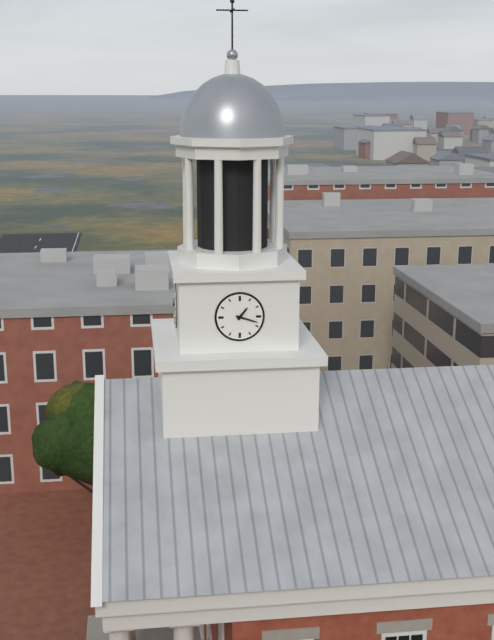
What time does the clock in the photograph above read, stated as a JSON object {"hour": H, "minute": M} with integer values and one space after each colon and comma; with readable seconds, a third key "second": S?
{"hour": 1, "minute": 18}
